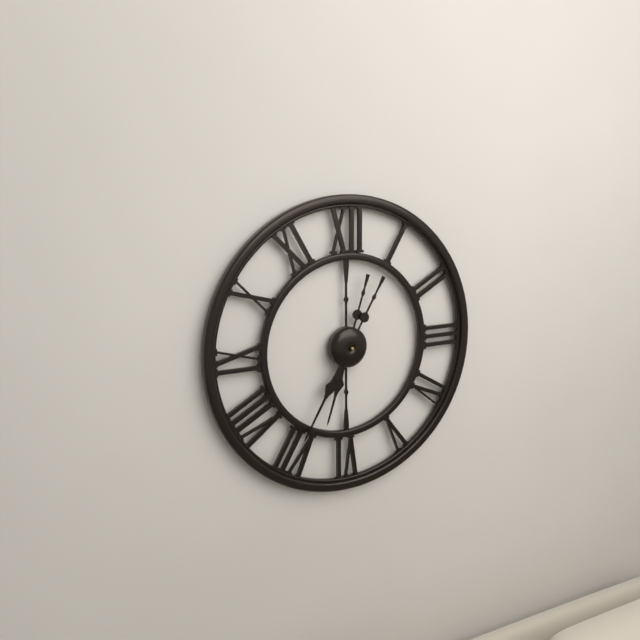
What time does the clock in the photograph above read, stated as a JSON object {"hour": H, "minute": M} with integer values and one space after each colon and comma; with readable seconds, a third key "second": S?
{"hour": 6, "minute": 35}
